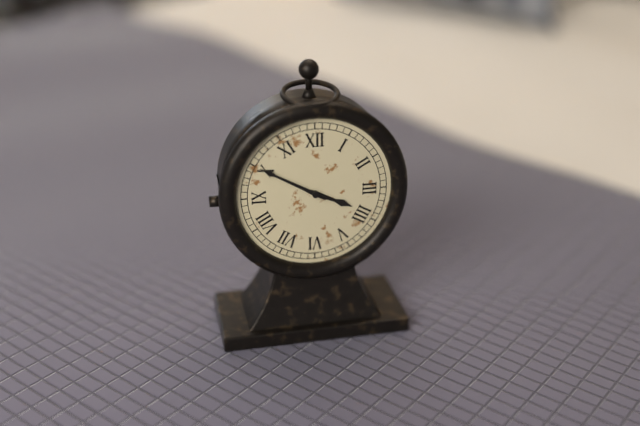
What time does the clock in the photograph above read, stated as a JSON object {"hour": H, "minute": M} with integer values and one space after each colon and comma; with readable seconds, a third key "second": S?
{"hour": 3, "minute": 50}
